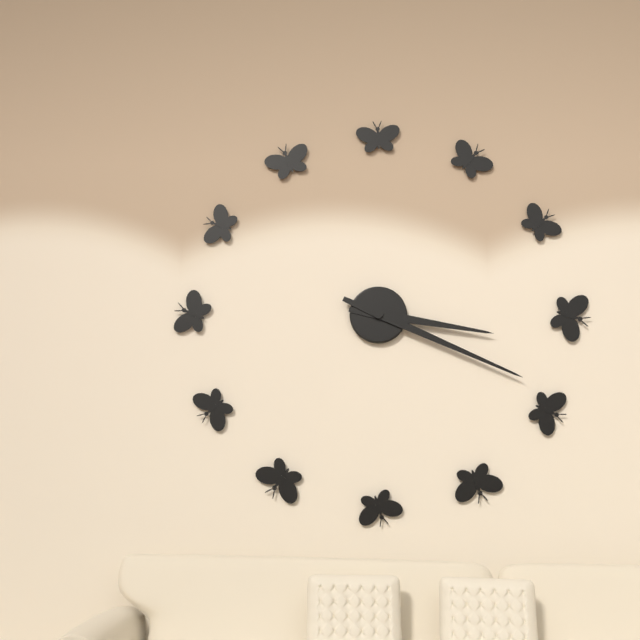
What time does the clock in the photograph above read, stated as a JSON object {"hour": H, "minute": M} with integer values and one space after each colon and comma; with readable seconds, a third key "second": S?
{"hour": 3, "minute": 19}
